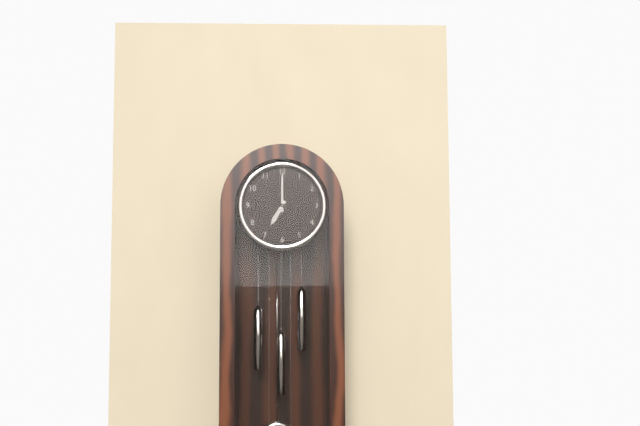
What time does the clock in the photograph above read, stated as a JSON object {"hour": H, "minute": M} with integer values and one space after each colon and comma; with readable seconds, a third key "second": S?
{"hour": 7, "minute": 0}
